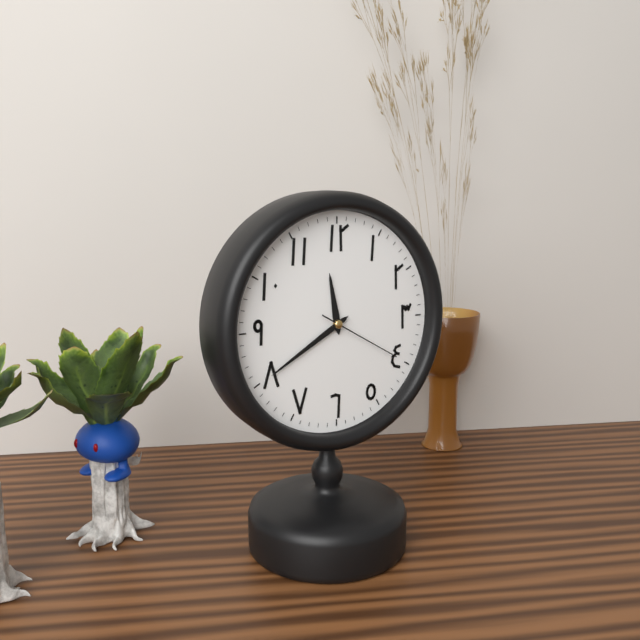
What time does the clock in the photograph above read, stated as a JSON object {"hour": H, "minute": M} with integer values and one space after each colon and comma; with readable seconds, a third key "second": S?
{"hour": 11, "minute": 40, "second": 20}
